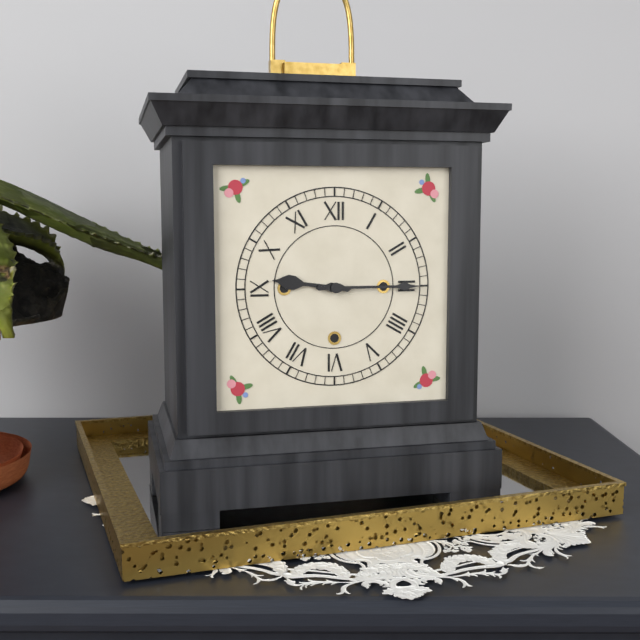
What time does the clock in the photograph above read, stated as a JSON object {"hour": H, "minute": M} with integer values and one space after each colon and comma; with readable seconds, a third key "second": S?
{"hour": 9, "minute": 15}
